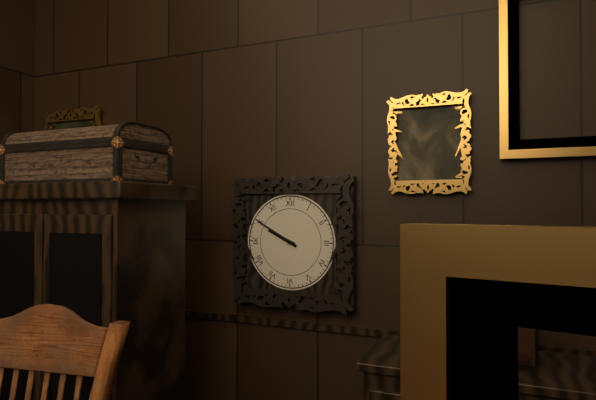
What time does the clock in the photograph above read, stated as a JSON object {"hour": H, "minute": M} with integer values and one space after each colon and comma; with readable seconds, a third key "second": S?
{"hour": 9, "minute": 50}
